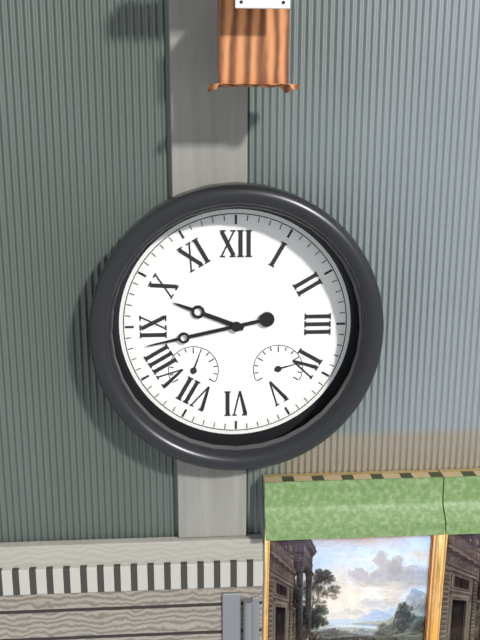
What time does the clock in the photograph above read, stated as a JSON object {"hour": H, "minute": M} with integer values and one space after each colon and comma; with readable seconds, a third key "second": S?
{"hour": 9, "minute": 43}
